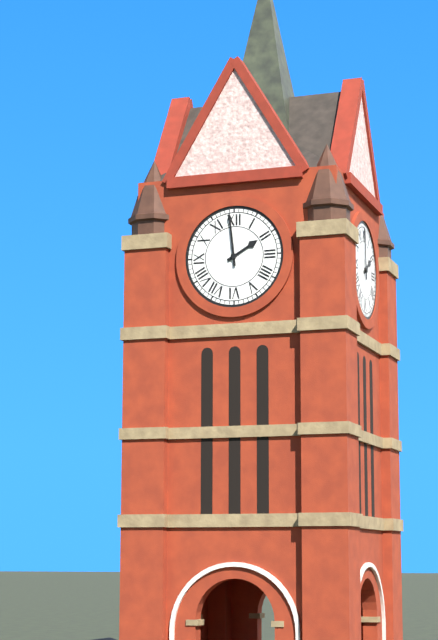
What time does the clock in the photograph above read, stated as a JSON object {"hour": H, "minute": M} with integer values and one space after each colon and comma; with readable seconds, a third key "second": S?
{"hour": 1, "minute": 59}
